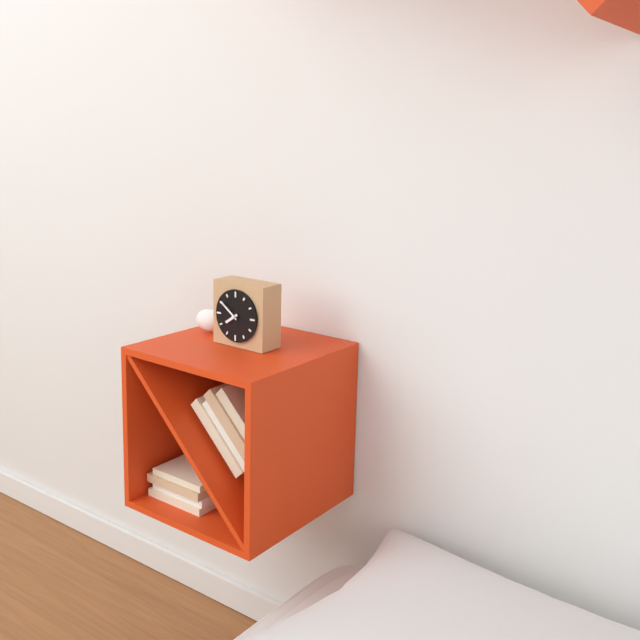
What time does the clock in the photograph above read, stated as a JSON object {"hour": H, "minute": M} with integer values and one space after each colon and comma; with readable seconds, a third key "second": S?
{"hour": 7, "minute": 51}
